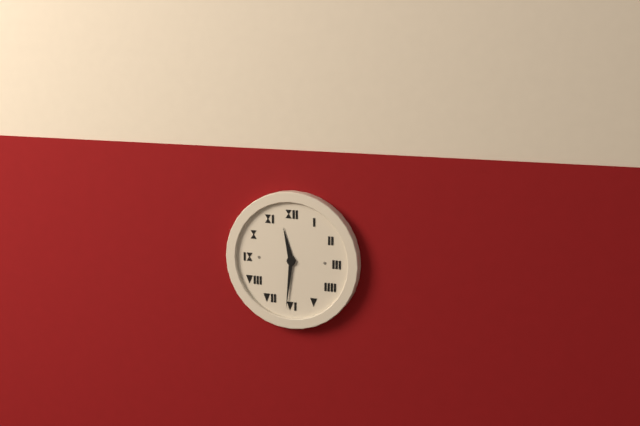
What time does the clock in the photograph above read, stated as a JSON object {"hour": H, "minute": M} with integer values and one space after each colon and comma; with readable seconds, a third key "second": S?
{"hour": 11, "minute": 31}
